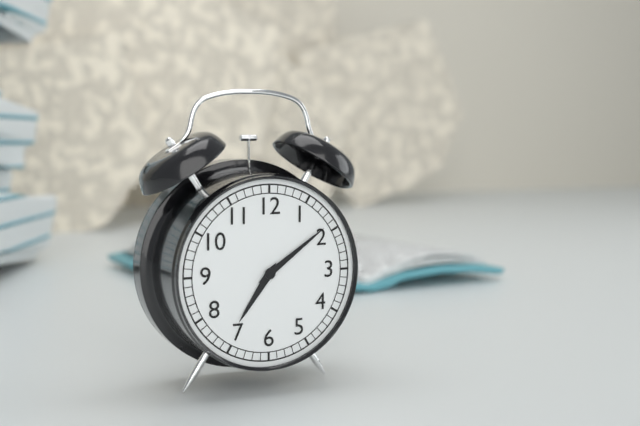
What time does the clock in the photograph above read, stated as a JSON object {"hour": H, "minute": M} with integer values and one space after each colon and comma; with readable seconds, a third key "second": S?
{"hour": 7, "minute": 9}
